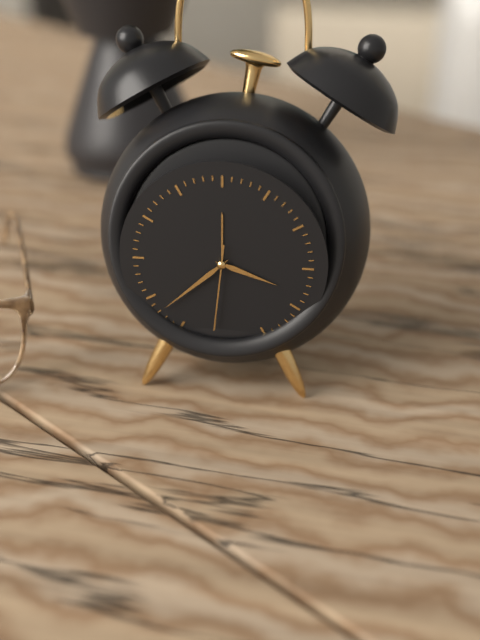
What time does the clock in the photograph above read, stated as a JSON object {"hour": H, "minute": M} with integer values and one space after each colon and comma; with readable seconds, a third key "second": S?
{"hour": 3, "minute": 38, "second": 31}
